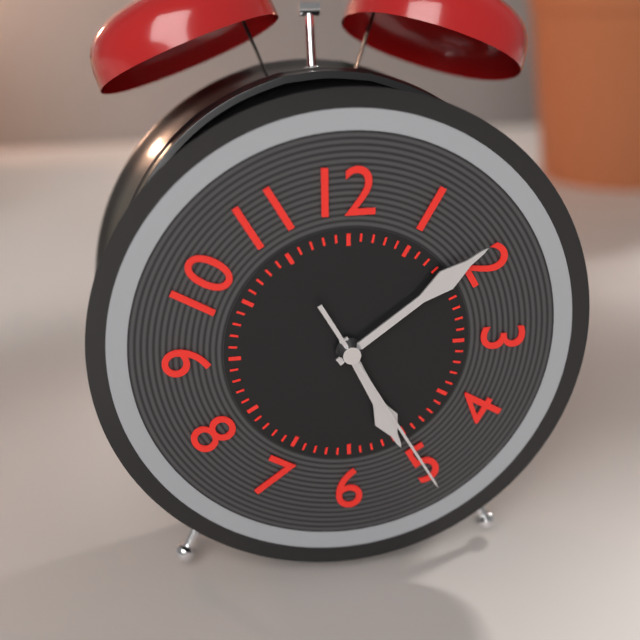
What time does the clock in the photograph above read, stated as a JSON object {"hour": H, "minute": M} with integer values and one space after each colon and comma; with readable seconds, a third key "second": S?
{"hour": 5, "minute": 9, "second": 25}
